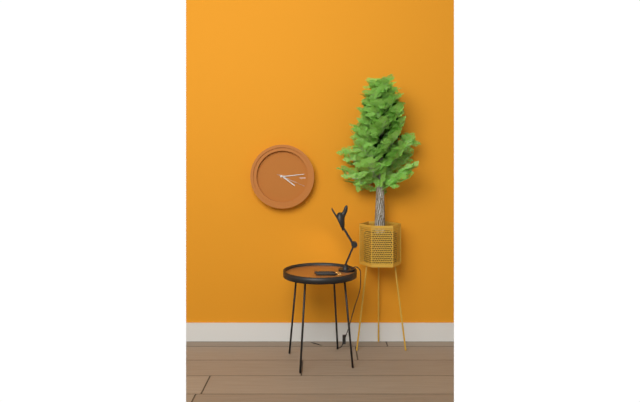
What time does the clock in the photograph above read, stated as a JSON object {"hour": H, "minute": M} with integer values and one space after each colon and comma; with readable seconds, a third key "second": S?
{"hour": 4, "minute": 14}
